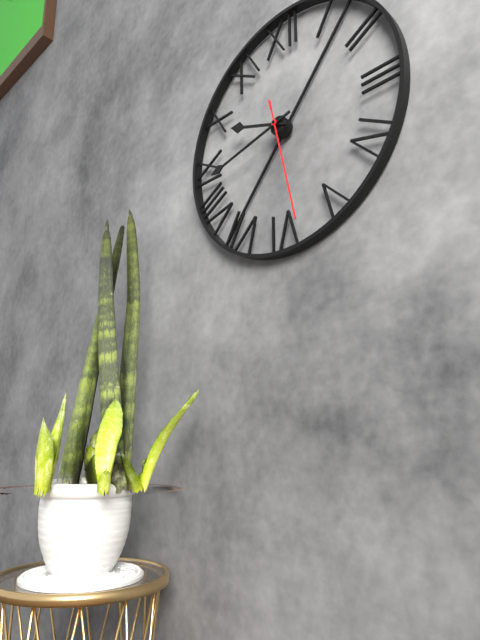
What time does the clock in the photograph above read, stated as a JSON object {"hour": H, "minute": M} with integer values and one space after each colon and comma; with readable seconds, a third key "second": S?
{"hour": 9, "minute": 43, "second": 28}
